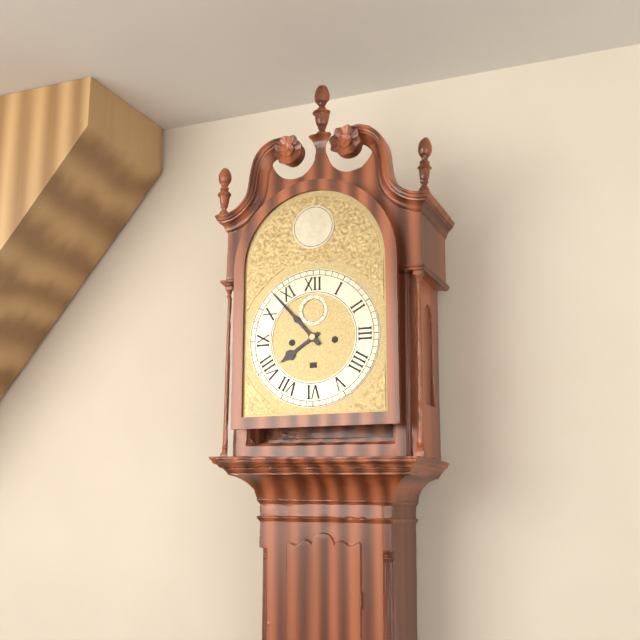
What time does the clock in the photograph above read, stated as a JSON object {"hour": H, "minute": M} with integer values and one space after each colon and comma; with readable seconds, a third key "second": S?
{"hour": 7, "minute": 53}
